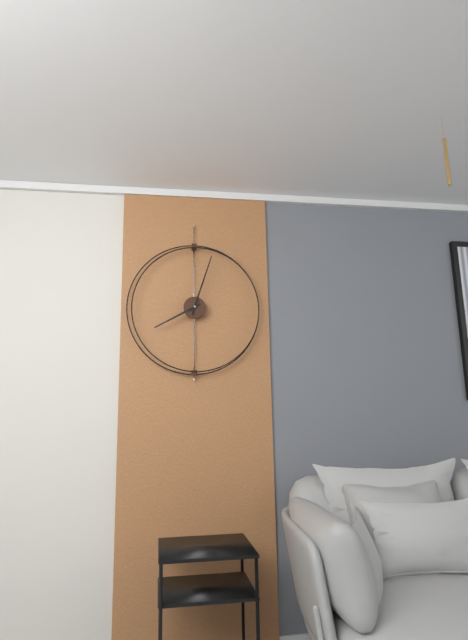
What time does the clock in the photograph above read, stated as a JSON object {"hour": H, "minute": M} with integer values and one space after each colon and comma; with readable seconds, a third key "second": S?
{"hour": 8, "minute": 3}
